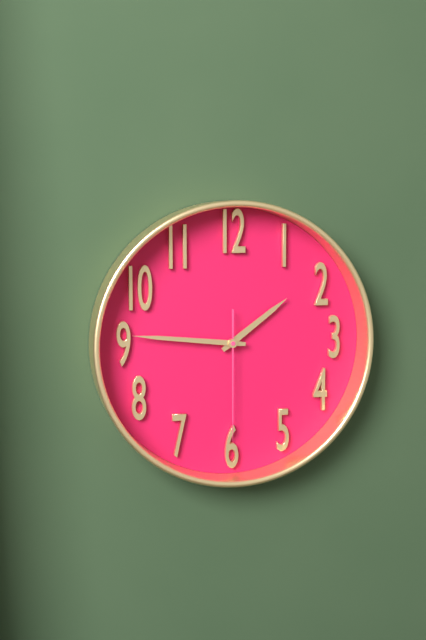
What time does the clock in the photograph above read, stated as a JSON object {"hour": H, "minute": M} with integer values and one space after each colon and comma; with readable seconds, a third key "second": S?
{"hour": 1, "minute": 46, "second": 30}
